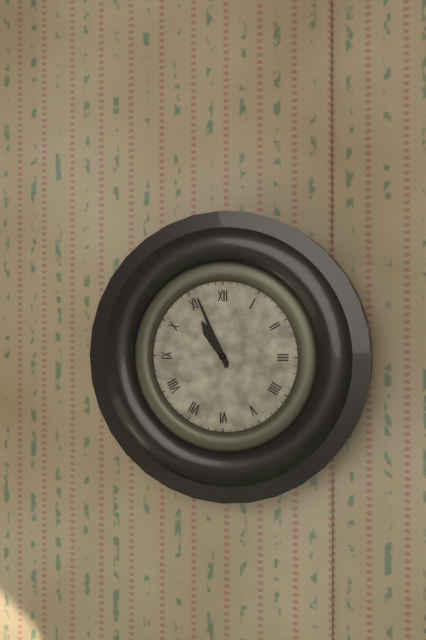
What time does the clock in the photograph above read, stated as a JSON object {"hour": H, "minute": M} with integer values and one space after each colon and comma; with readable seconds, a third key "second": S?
{"hour": 10, "minute": 56}
